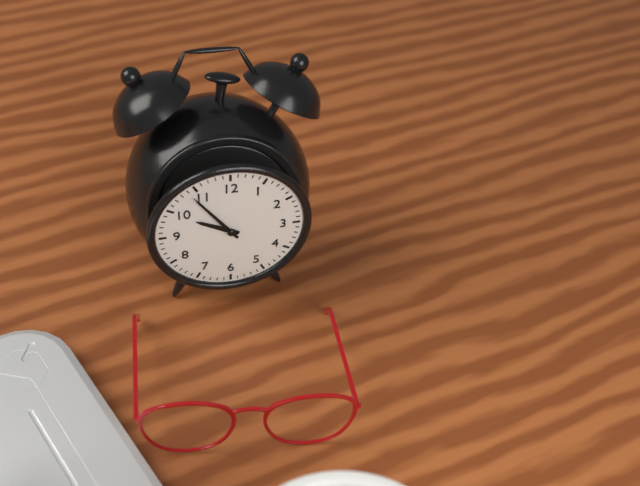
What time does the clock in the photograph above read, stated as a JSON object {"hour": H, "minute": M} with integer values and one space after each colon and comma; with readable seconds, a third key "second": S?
{"hour": 9, "minute": 54}
